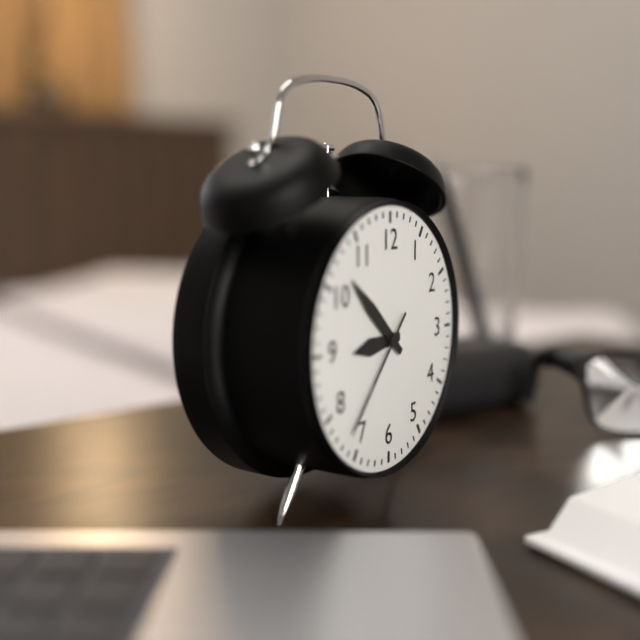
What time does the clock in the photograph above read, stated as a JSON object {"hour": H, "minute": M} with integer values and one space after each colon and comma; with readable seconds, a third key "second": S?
{"hour": 8, "minute": 52, "second": 37}
